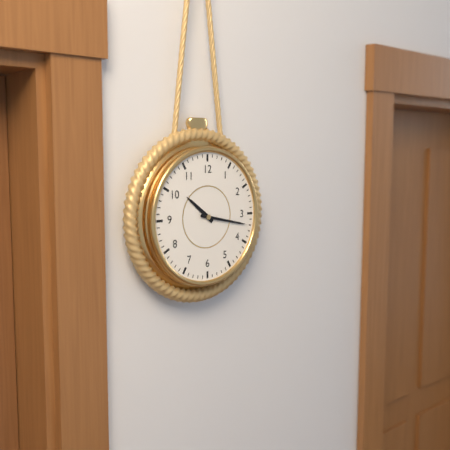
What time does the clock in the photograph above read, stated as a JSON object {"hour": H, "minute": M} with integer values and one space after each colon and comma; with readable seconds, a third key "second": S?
{"hour": 10, "minute": 17}
